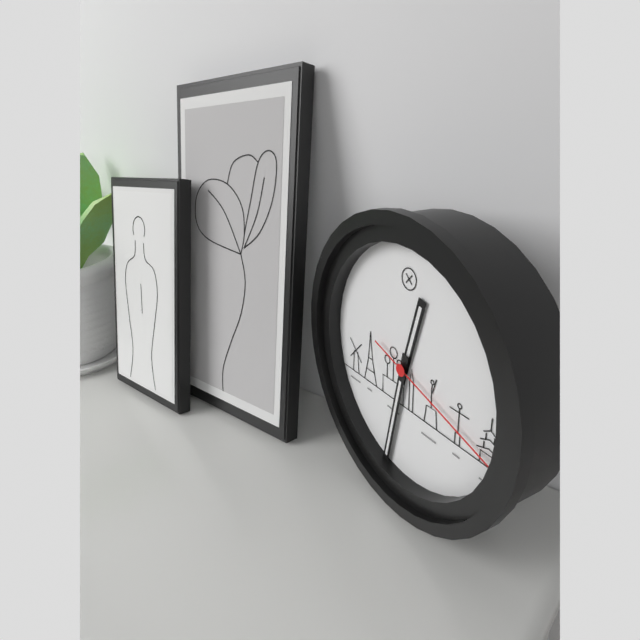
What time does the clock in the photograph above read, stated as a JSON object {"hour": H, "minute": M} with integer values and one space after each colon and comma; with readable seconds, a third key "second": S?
{"hour": 12, "minute": 32, "second": 18}
